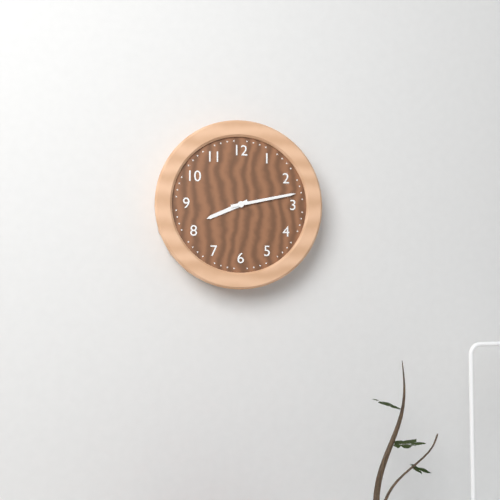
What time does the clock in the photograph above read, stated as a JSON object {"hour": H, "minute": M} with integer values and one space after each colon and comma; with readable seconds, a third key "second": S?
{"hour": 8, "minute": 13}
